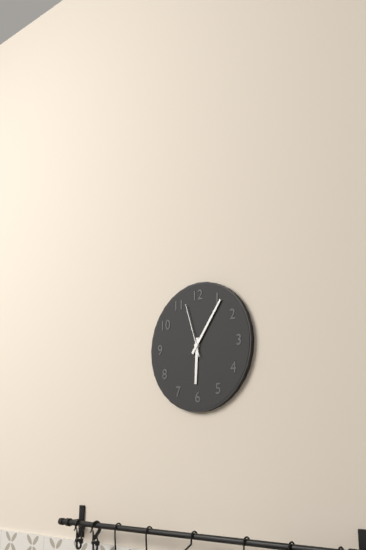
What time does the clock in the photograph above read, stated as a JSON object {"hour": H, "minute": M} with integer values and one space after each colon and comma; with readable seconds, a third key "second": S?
{"hour": 6, "minute": 6, "second": 57}
